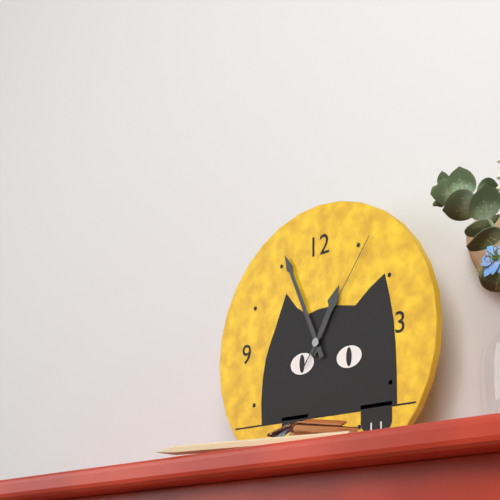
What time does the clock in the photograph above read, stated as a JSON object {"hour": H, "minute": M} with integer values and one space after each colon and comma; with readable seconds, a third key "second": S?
{"hour": 12, "minute": 56, "second": 6}
